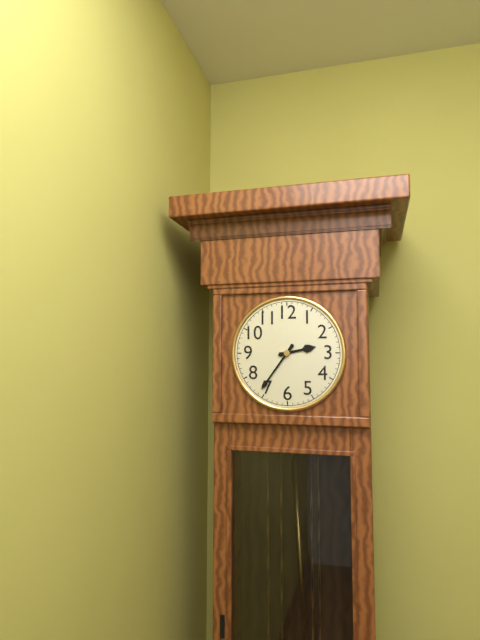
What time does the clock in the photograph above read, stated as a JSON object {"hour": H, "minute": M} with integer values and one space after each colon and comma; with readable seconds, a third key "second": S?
{"hour": 2, "minute": 36}
